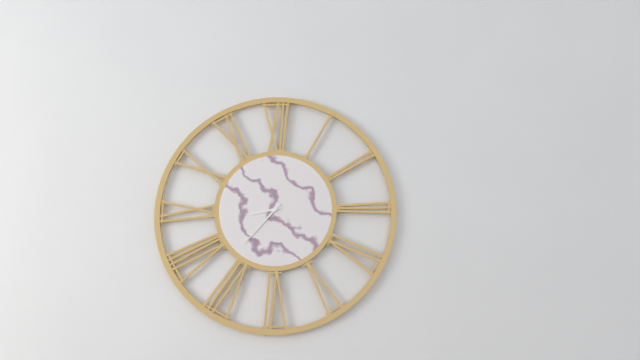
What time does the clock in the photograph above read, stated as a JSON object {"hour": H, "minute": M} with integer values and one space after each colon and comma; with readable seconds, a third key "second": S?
{"hour": 8, "minute": 37}
